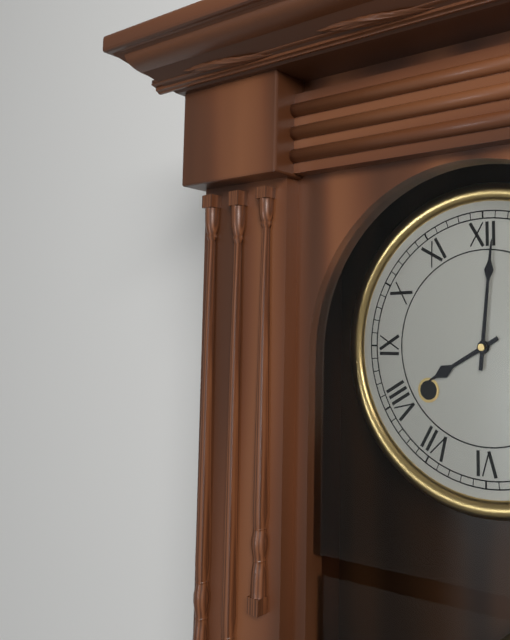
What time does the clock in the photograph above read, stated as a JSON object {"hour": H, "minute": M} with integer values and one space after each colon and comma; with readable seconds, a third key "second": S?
{"hour": 8, "minute": 1}
